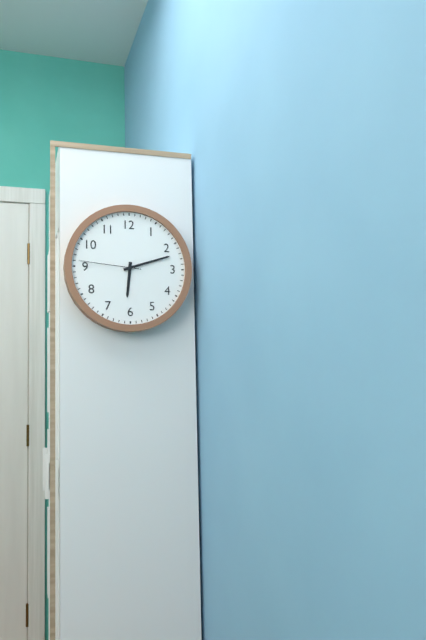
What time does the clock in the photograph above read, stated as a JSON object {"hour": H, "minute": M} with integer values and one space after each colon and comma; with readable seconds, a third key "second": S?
{"hour": 6, "minute": 12, "second": 46}
